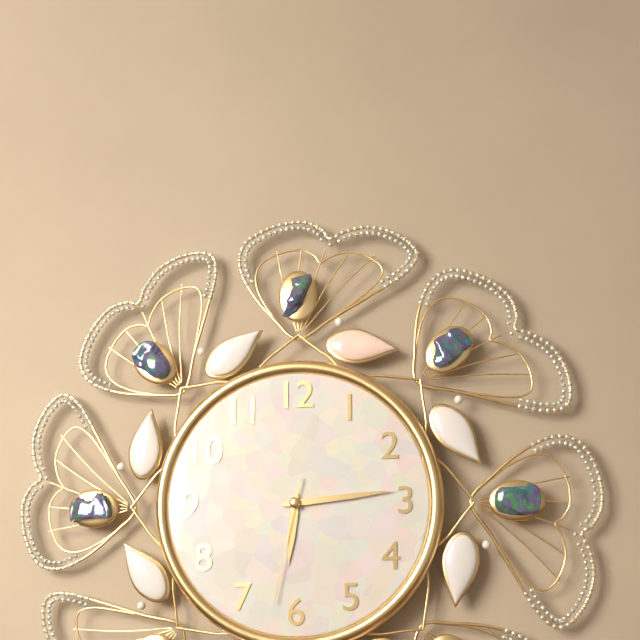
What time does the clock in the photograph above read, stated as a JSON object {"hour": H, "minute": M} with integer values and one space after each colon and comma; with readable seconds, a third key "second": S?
{"hour": 6, "minute": 14, "second": 32}
